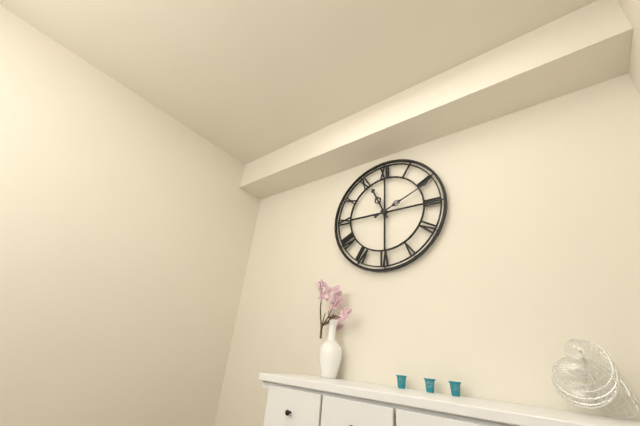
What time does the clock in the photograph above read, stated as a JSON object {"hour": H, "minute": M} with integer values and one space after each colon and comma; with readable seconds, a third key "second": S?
{"hour": 11, "minute": 11}
